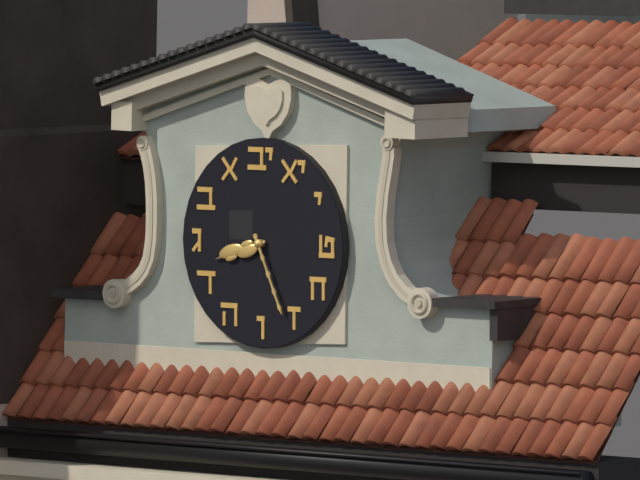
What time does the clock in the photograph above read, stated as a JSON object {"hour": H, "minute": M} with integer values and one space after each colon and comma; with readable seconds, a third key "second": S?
{"hour": 8, "minute": 26}
